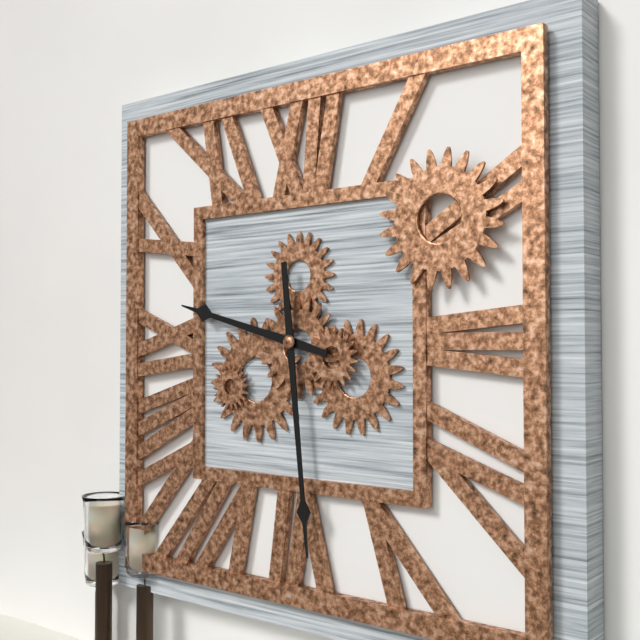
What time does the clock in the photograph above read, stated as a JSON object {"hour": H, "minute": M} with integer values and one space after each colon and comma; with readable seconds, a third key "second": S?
{"hour": 9, "minute": 29}
